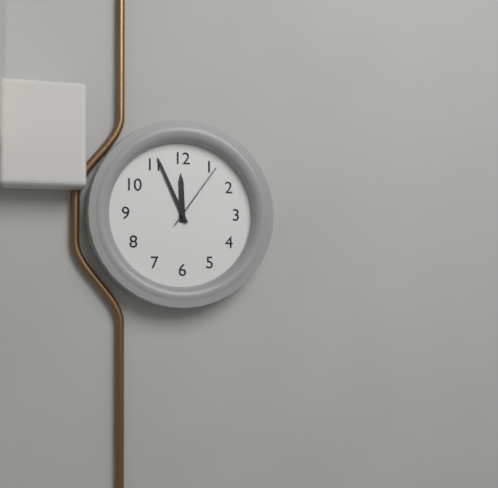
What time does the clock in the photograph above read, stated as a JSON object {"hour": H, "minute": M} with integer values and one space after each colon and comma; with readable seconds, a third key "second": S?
{"hour": 11, "minute": 56, "second": 6}
